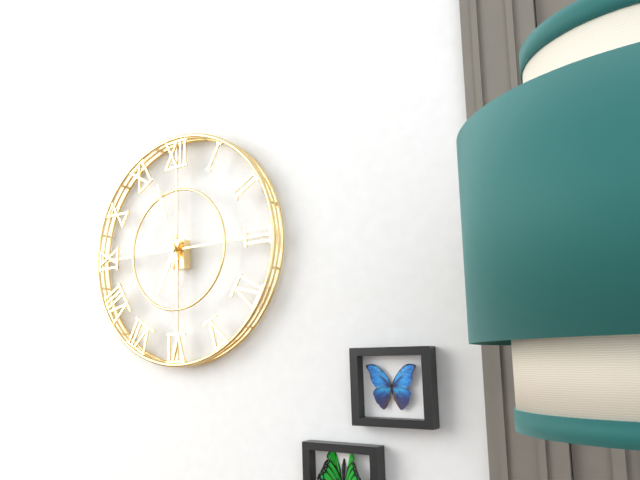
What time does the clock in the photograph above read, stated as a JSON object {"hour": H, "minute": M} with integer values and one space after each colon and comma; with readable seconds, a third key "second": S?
{"hour": 6, "minute": 57}
